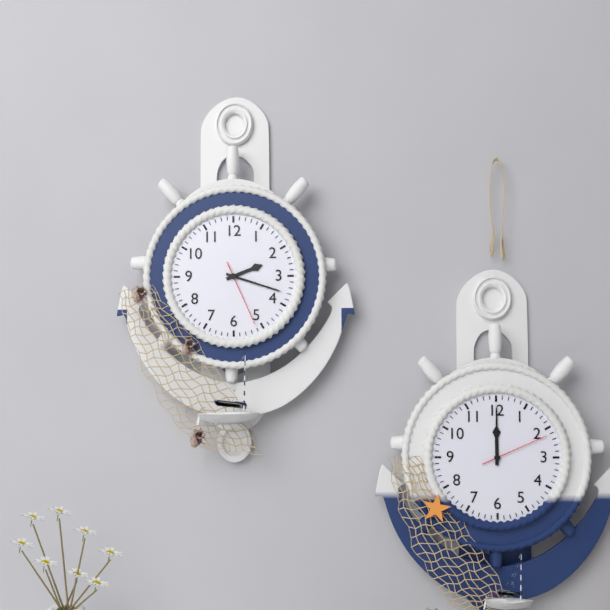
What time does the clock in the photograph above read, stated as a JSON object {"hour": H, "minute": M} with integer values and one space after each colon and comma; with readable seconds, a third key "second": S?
{"hour": 2, "minute": 18, "second": 26}
